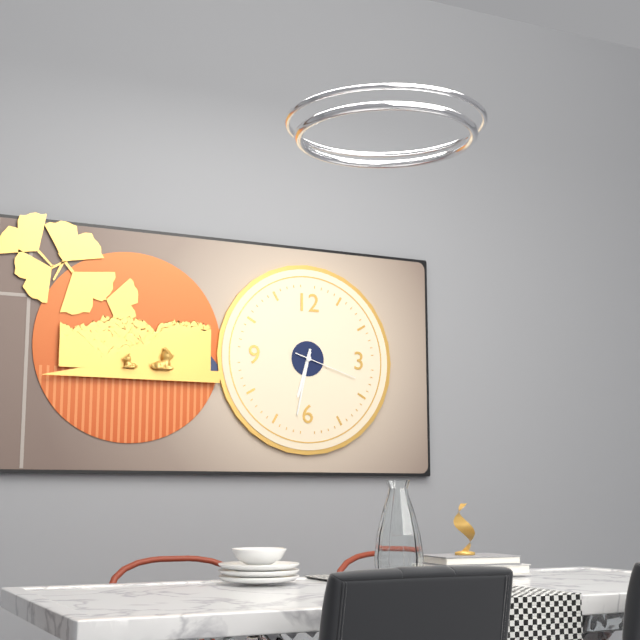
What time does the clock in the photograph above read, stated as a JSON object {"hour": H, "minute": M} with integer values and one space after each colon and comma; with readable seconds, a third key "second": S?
{"hour": 6, "minute": 32, "second": 18}
